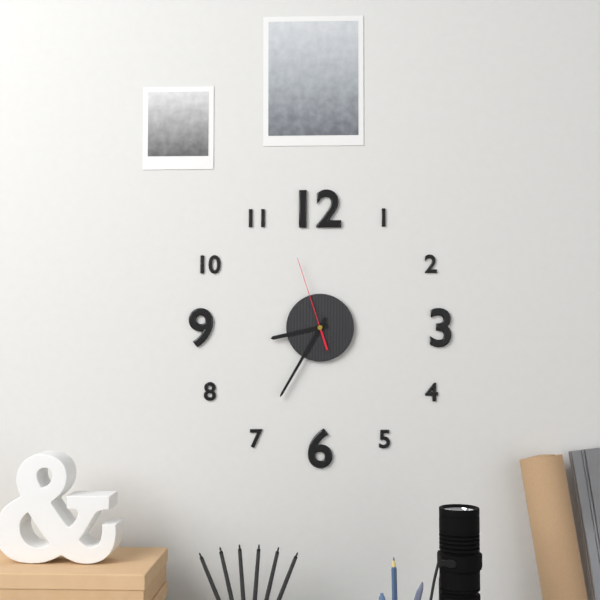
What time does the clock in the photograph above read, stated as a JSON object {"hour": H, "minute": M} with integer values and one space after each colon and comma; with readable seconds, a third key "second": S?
{"hour": 8, "minute": 35, "second": 57}
